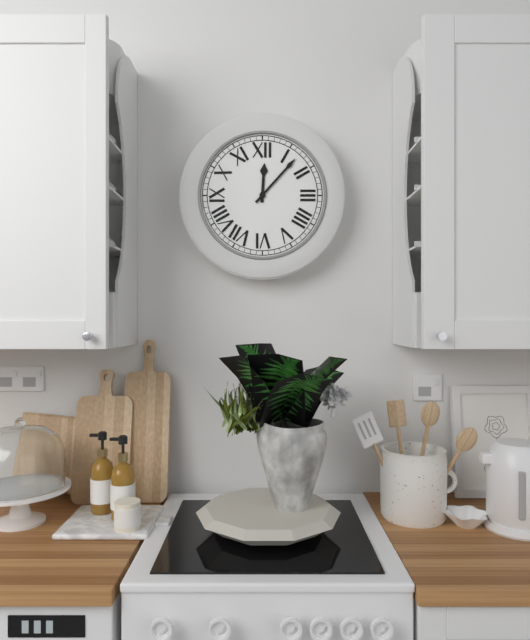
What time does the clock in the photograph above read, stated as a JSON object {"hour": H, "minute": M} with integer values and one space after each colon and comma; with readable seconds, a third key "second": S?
{"hour": 12, "minute": 7}
